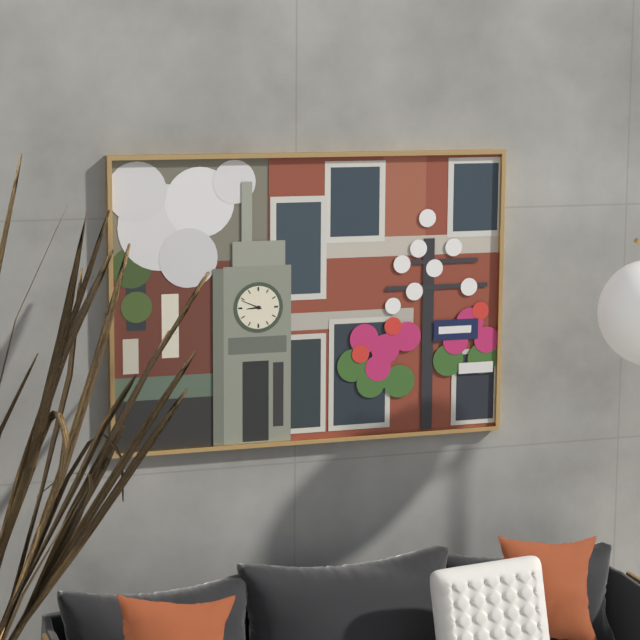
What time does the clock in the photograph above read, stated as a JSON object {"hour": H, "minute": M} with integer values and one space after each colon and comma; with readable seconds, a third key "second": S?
{"hour": 8, "minute": 49}
